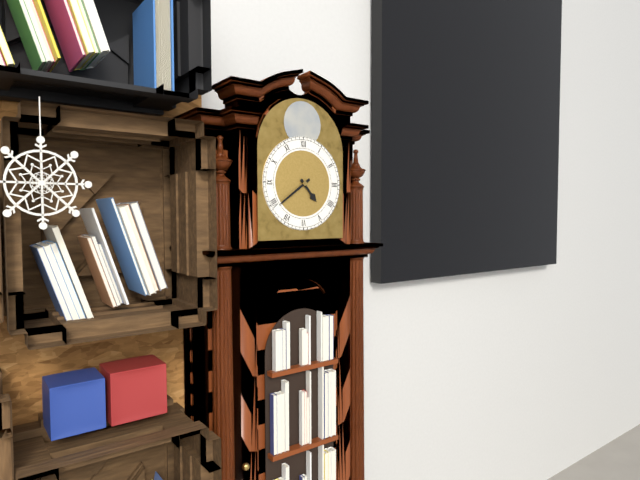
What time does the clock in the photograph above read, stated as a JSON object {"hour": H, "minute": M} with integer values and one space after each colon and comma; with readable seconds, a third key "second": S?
{"hour": 4, "minute": 39}
